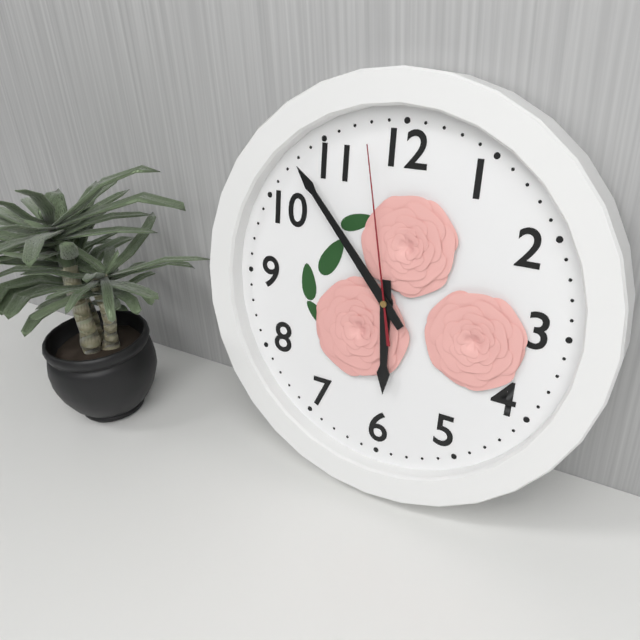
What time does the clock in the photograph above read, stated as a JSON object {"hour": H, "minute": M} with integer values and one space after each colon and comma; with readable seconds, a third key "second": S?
{"hour": 5, "minute": 53, "second": 58}
